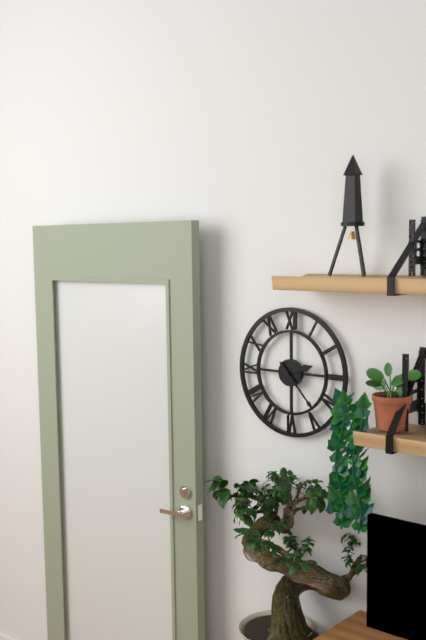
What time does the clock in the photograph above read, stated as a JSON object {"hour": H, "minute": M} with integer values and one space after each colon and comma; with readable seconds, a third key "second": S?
{"hour": 2, "minute": 23}
